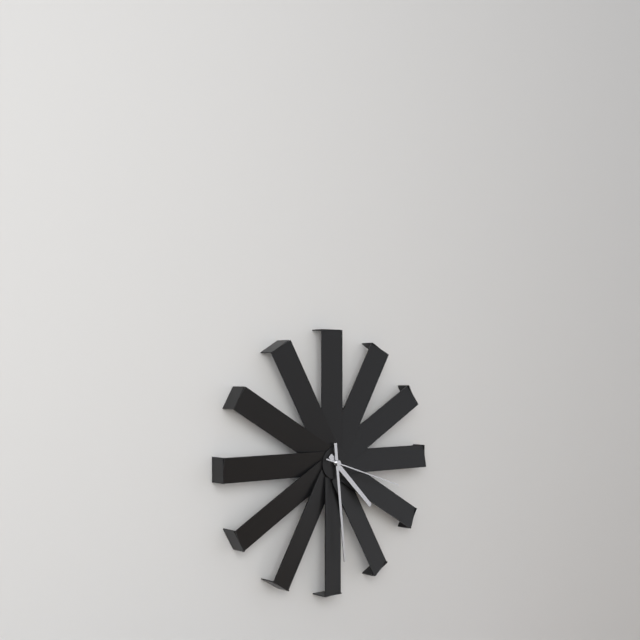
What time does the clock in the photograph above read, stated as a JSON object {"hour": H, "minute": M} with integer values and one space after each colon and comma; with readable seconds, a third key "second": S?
{"hour": 4, "minute": 29, "second": 18}
